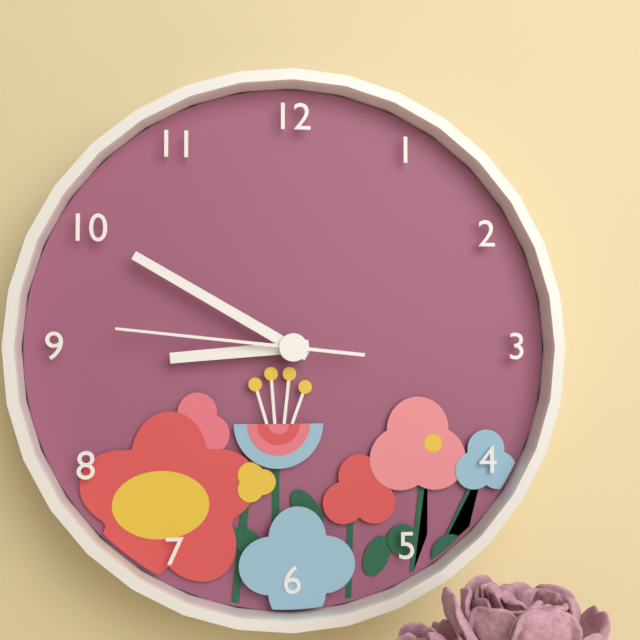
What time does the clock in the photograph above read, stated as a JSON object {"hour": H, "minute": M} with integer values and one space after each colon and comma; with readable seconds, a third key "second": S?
{"hour": 8, "minute": 50, "second": 46}
